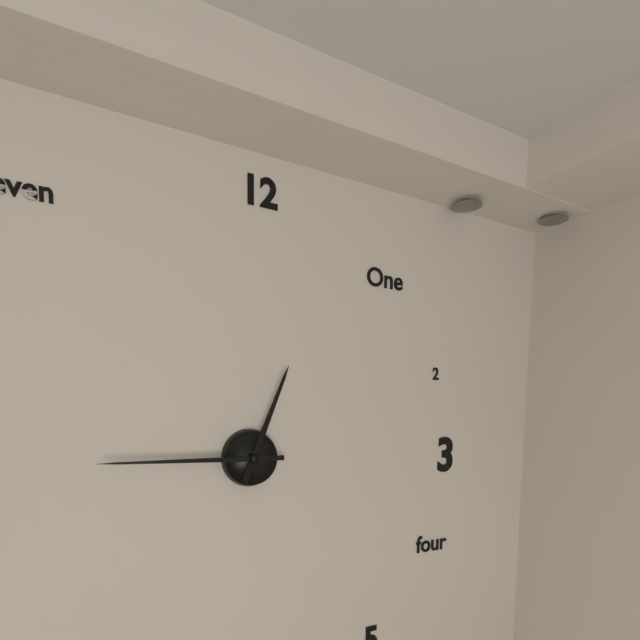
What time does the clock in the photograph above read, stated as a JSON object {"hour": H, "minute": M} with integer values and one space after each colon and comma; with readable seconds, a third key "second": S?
{"hour": 12, "minute": 45}
